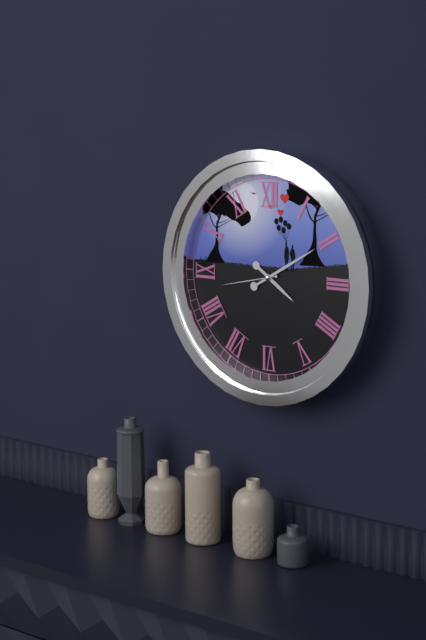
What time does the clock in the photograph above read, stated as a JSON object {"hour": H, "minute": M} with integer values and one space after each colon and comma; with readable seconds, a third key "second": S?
{"hour": 4, "minute": 10, "second": 43}
